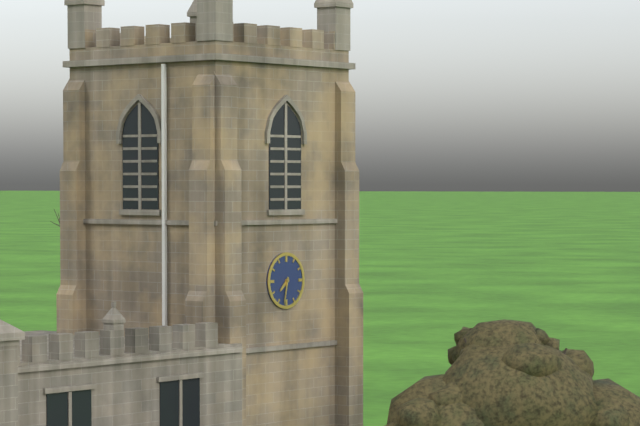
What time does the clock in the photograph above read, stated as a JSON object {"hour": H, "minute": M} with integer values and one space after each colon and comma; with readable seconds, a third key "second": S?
{"hour": 7, "minute": 32}
